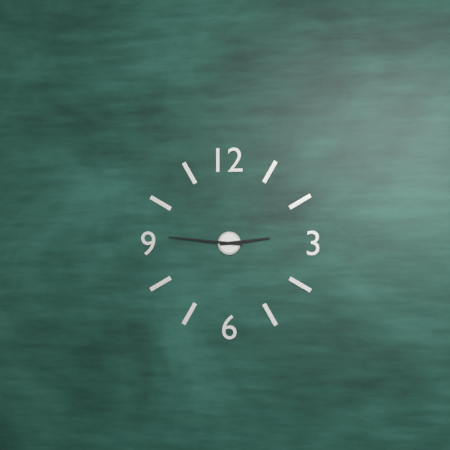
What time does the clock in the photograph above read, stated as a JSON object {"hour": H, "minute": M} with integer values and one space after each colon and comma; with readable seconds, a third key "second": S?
{"hour": 2, "minute": 46}
